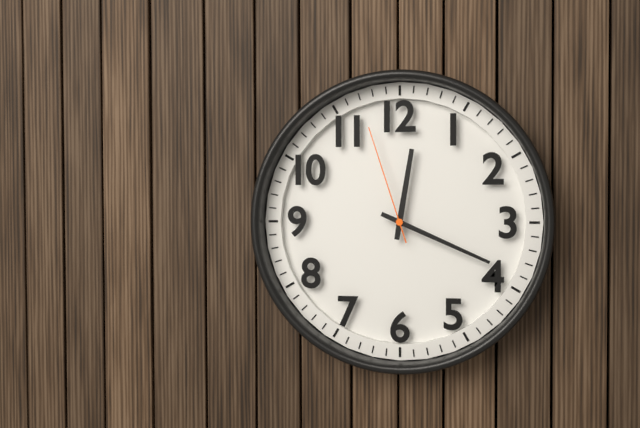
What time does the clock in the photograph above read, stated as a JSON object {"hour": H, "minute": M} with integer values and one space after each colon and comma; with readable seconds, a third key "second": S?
{"hour": 12, "minute": 19, "second": 57}
